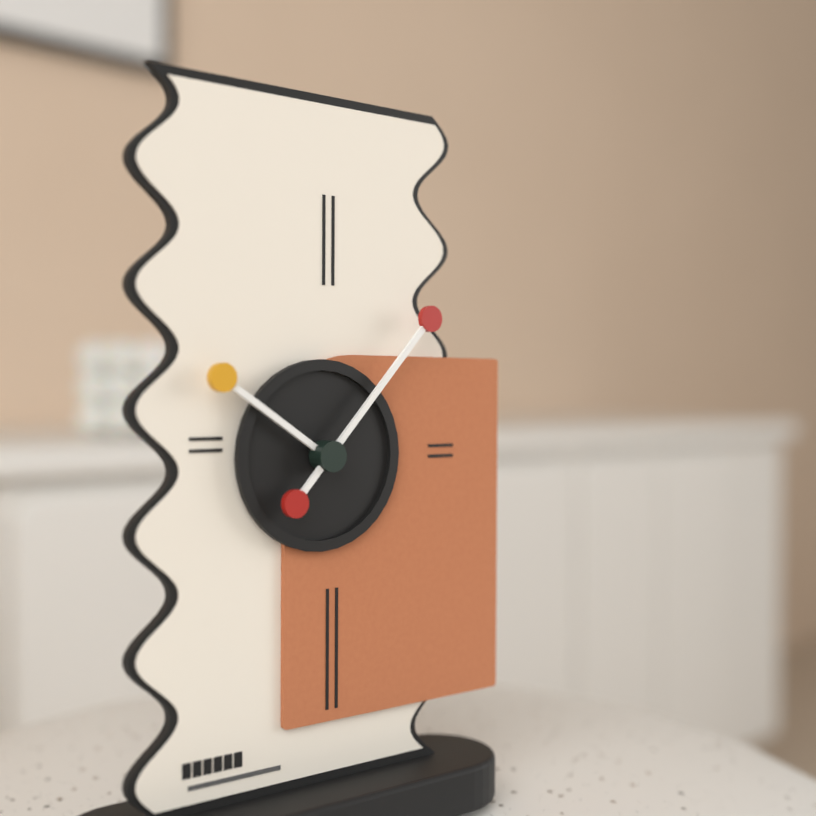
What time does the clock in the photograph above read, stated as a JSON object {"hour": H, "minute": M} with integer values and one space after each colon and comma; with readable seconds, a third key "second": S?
{"hour": 10, "minute": 7}
